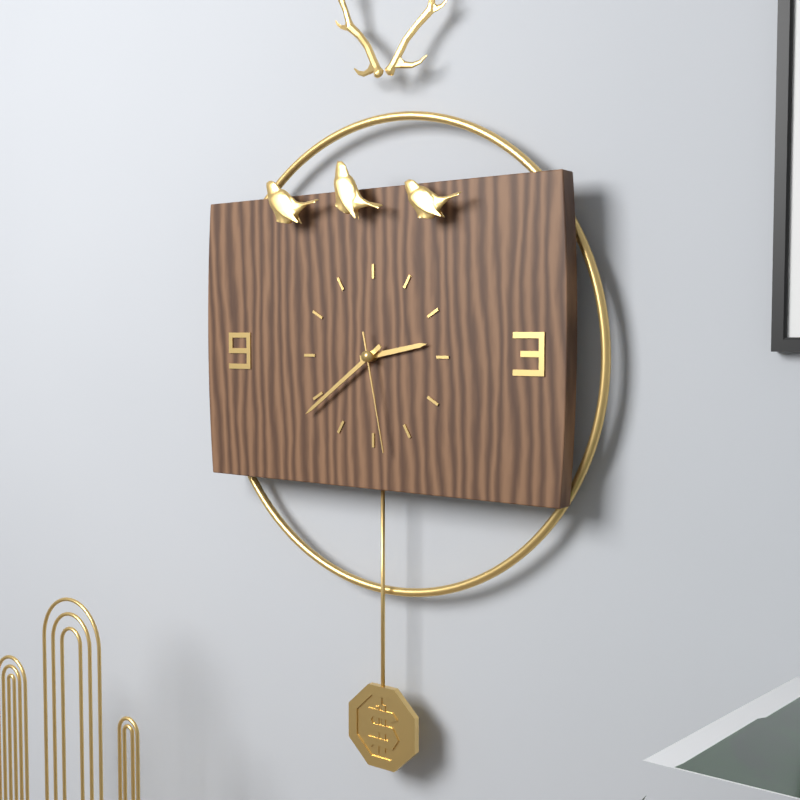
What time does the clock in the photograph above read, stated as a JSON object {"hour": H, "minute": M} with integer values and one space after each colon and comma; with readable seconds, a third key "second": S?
{"hour": 2, "minute": 39, "second": 28}
